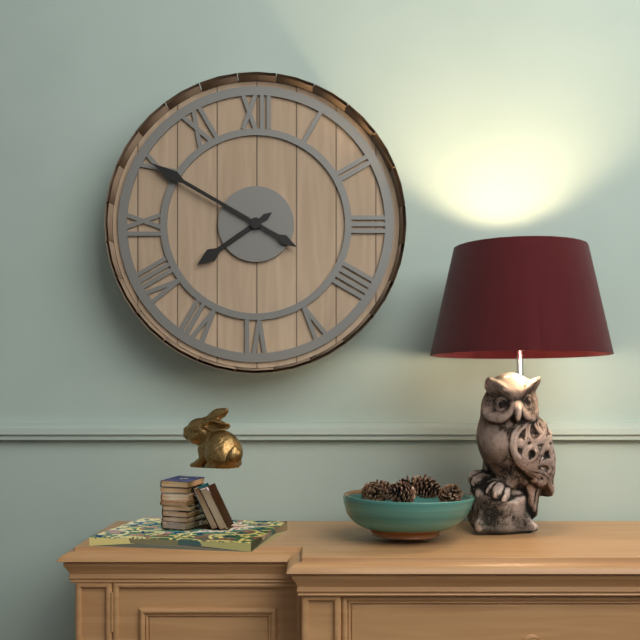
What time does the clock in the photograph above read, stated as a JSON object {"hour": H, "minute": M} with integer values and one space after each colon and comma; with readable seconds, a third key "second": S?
{"hour": 7, "minute": 50}
